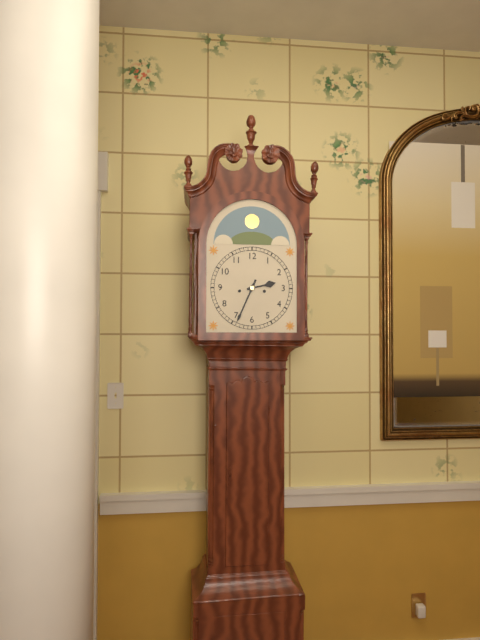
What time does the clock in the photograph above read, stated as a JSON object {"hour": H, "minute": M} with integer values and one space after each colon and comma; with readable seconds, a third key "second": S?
{"hour": 2, "minute": 34}
